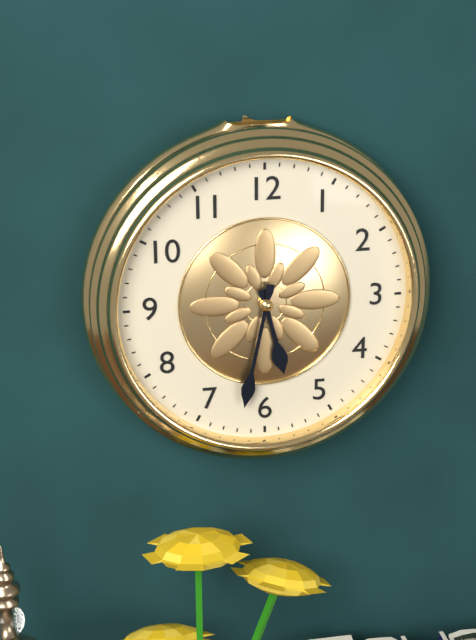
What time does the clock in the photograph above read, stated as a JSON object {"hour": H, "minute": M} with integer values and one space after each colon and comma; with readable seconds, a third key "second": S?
{"hour": 5, "minute": 32}
